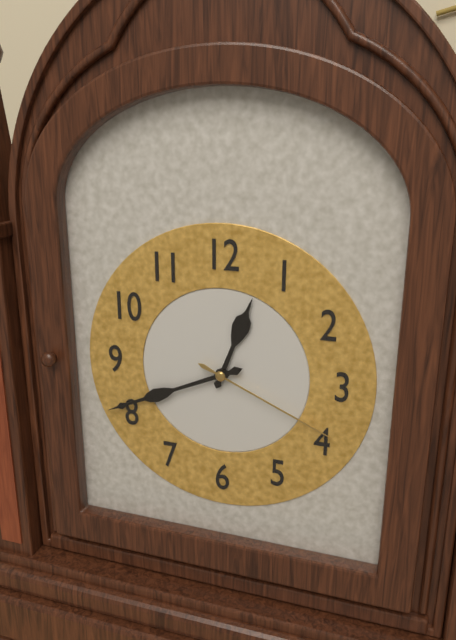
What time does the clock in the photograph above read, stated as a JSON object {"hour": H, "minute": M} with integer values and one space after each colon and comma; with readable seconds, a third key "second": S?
{"hour": 12, "minute": 41, "second": 19}
